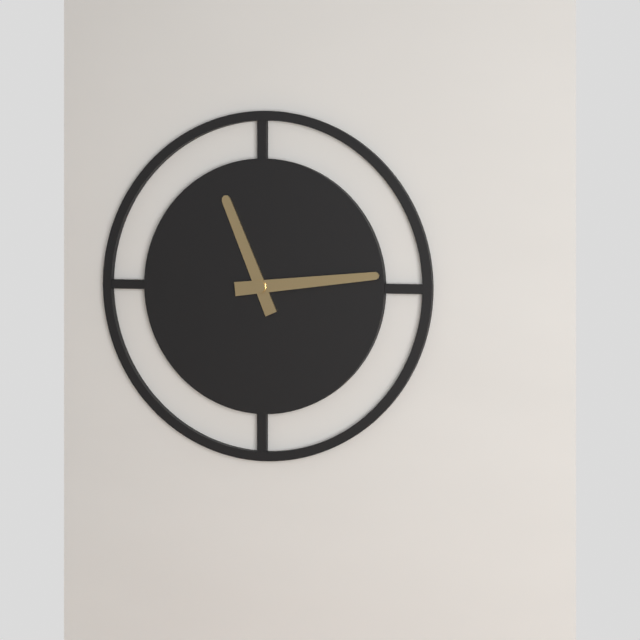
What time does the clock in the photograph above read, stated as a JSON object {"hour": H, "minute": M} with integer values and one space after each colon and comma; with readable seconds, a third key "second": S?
{"hour": 11, "minute": 14}
